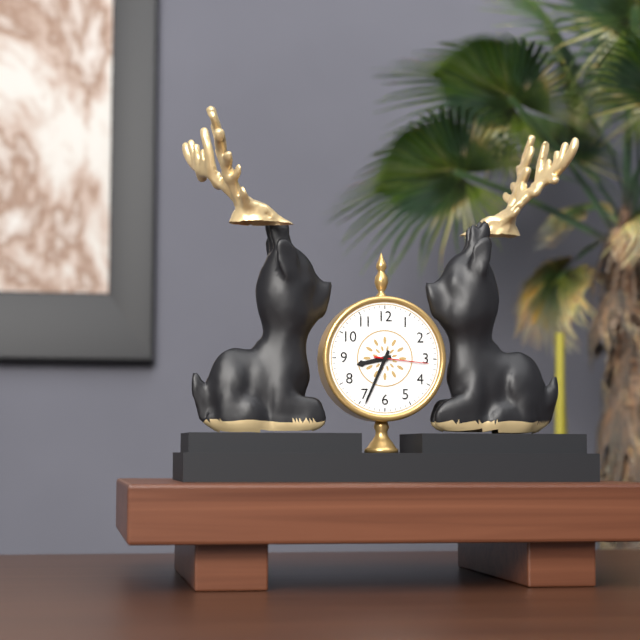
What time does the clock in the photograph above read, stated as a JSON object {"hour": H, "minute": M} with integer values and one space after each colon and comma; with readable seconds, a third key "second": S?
{"hour": 8, "minute": 34, "second": 16}
